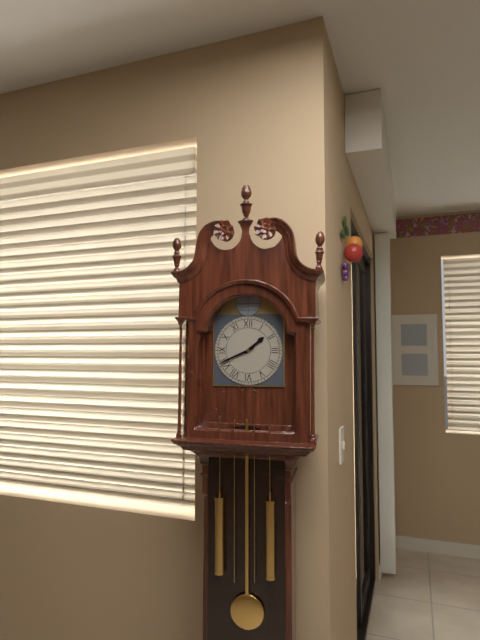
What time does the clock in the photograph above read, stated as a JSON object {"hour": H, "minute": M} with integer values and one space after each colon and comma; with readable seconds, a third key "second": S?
{"hour": 1, "minute": 41}
